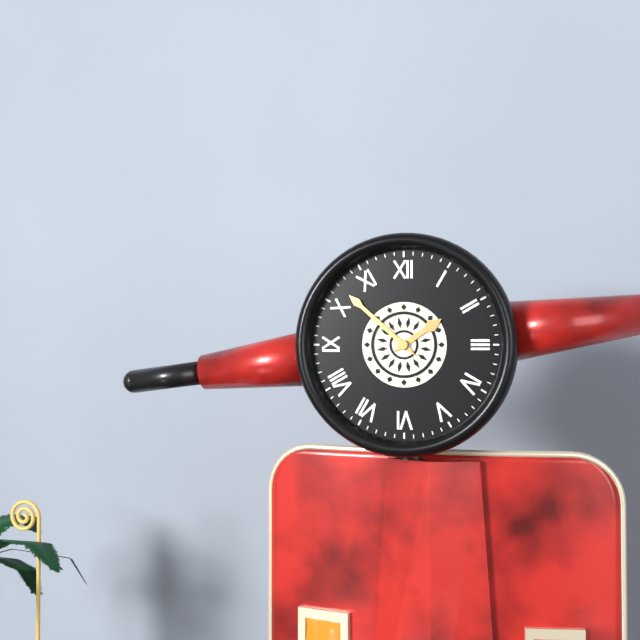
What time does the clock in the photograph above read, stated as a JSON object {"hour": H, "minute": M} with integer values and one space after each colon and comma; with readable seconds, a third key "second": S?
{"hour": 1, "minute": 52}
